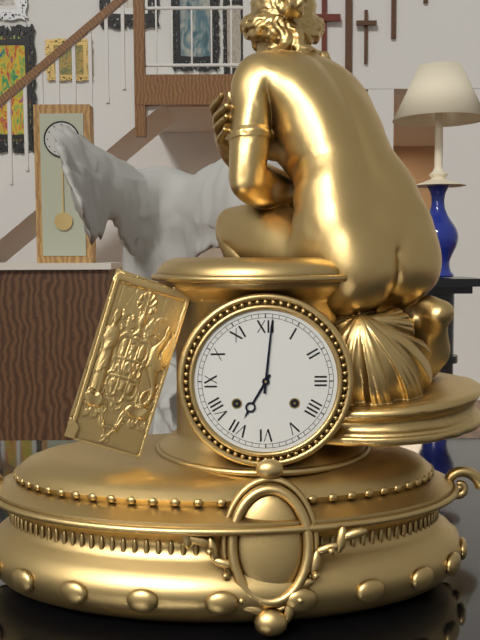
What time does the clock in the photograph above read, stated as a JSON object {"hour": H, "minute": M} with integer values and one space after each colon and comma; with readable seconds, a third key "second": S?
{"hour": 7, "minute": 1}
